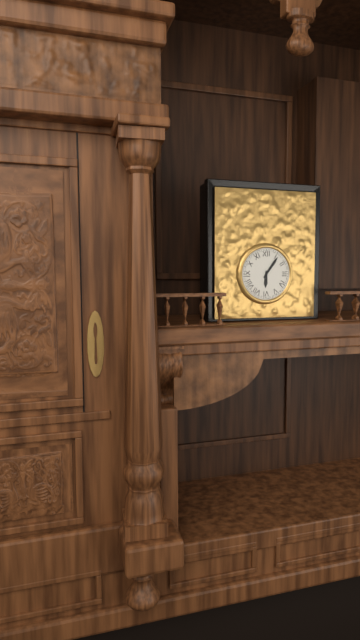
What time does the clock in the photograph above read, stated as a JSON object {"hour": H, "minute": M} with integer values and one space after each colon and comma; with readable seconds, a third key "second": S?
{"hour": 6, "minute": 6}
